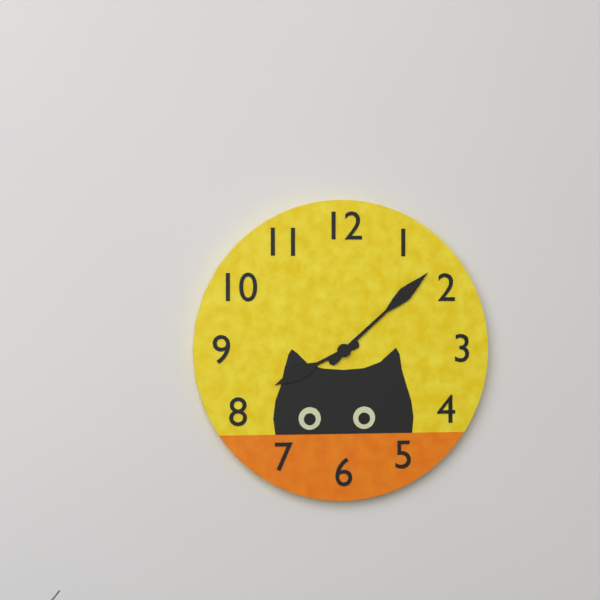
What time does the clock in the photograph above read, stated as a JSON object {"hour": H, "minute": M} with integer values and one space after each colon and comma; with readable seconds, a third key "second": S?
{"hour": 8, "minute": 8}
